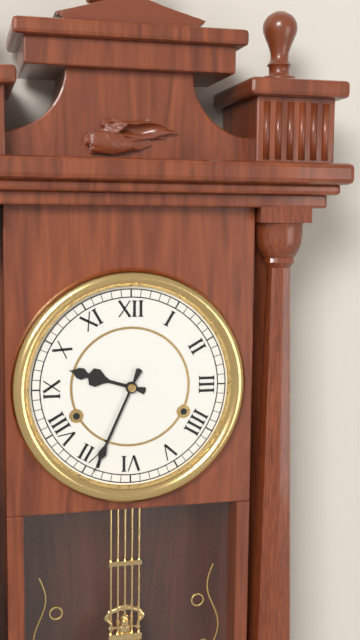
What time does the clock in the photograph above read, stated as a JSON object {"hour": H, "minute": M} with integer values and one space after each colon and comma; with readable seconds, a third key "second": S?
{"hour": 9, "minute": 34}
